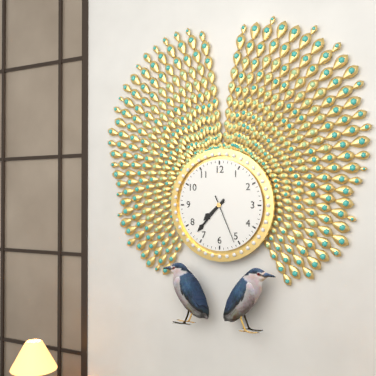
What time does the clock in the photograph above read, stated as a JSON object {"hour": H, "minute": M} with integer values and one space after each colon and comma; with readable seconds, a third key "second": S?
{"hour": 7, "minute": 37, "second": 26}
